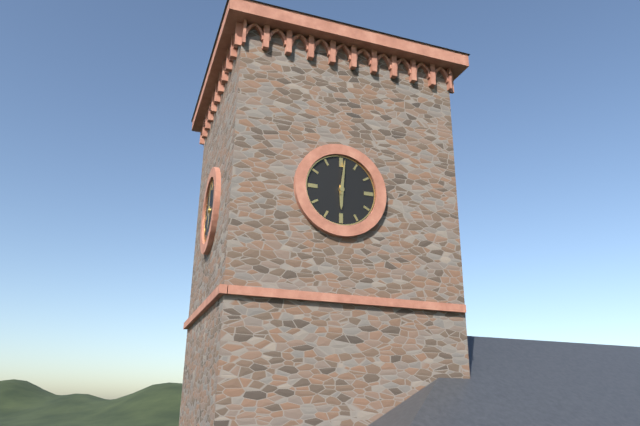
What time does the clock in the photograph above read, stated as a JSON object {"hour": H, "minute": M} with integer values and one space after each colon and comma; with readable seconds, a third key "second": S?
{"hour": 6, "minute": 1}
